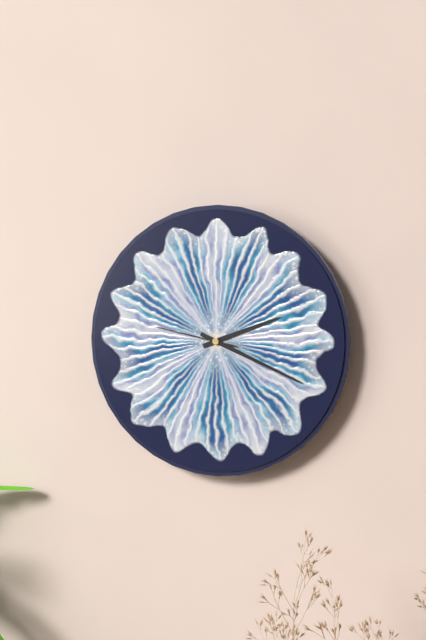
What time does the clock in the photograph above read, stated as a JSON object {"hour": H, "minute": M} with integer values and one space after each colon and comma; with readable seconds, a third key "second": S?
{"hour": 2, "minute": 19, "second": 47}
